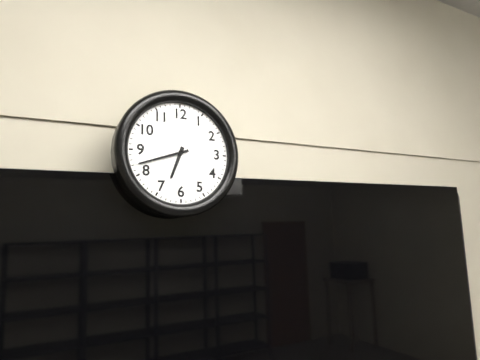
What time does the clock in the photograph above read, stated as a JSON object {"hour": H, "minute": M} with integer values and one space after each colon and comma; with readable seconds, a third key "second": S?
{"hour": 6, "minute": 42}
